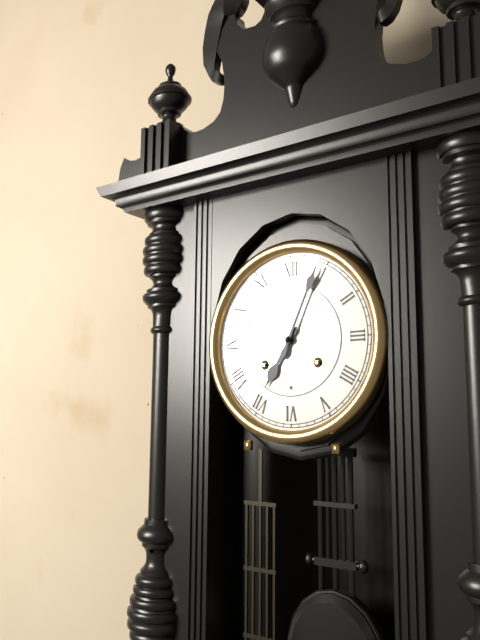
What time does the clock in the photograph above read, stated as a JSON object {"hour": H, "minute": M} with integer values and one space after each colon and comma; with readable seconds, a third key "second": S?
{"hour": 7, "minute": 4}
